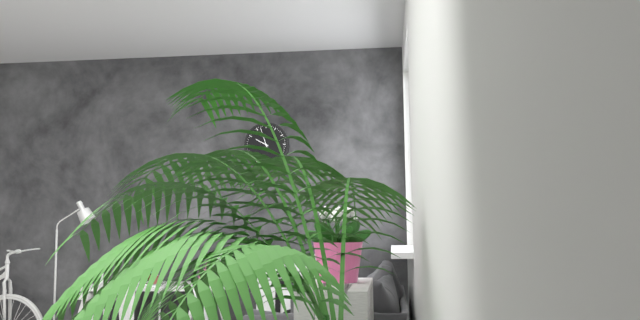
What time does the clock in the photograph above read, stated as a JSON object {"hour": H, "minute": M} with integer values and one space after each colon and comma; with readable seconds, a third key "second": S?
{"hour": 9, "minute": 57}
